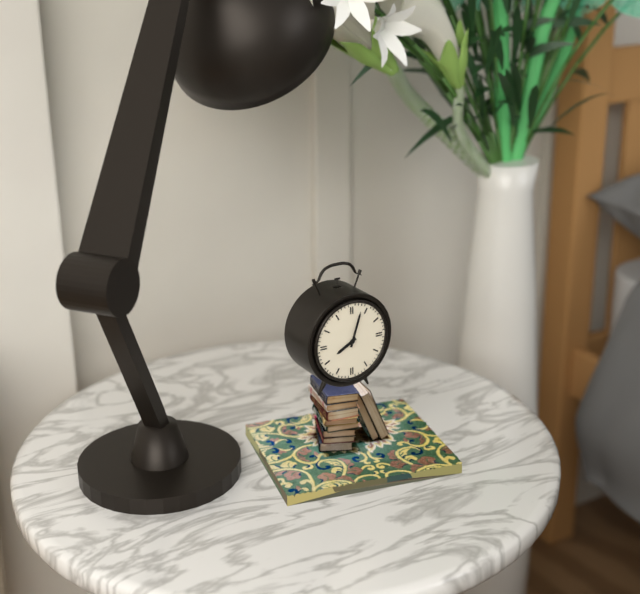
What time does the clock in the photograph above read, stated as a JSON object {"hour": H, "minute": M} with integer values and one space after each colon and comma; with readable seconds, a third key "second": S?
{"hour": 8, "minute": 3}
